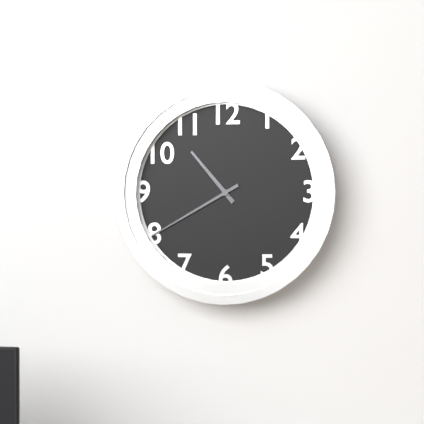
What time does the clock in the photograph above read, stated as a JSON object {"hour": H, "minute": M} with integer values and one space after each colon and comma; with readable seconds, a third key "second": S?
{"hour": 10, "minute": 40}
